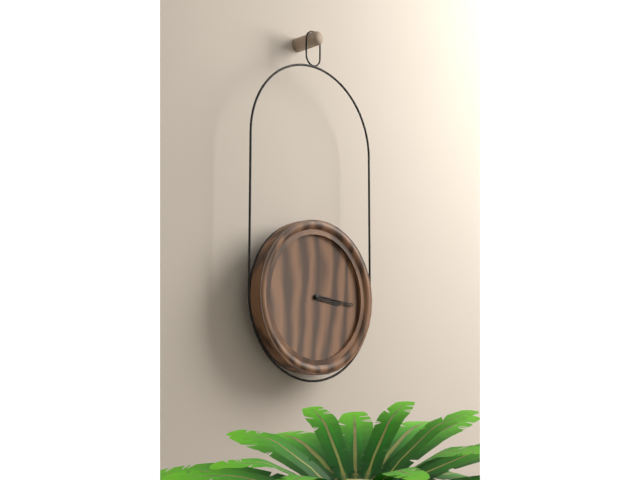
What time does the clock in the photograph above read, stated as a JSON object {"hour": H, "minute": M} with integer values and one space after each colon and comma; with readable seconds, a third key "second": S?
{"hour": 3, "minute": 16}
